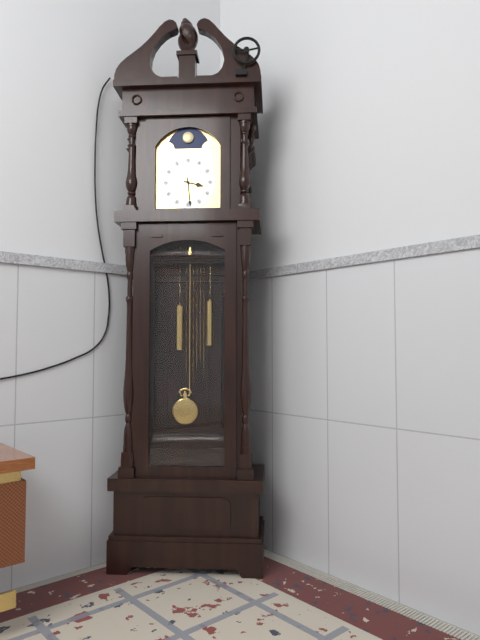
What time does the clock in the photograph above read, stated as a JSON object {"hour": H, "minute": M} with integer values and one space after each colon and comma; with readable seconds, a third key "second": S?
{"hour": 3, "minute": 29}
